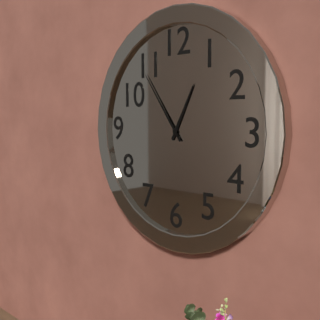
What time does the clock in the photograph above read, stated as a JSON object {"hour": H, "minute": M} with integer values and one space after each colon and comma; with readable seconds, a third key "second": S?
{"hour": 12, "minute": 54}
